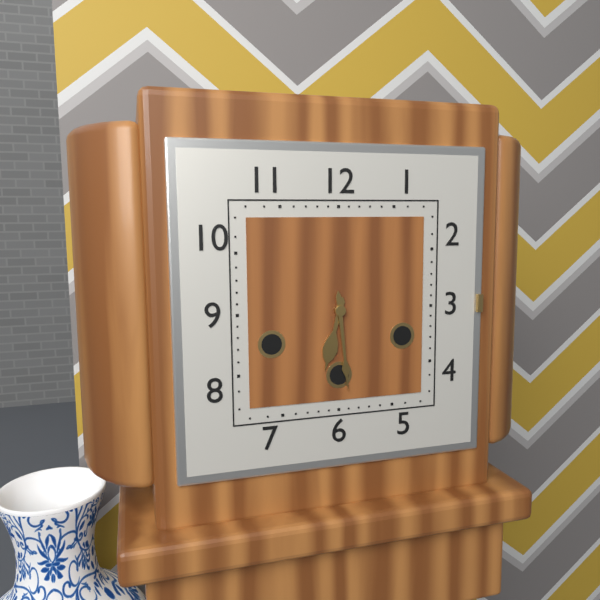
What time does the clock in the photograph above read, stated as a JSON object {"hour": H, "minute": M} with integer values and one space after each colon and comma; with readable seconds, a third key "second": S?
{"hour": 6, "minute": 29}
